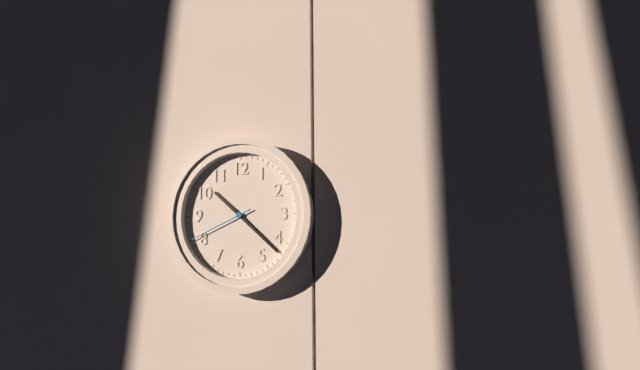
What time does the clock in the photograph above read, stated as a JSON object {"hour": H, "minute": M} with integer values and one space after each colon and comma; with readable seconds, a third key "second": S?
{"hour": 10, "minute": 22, "second": 41}
